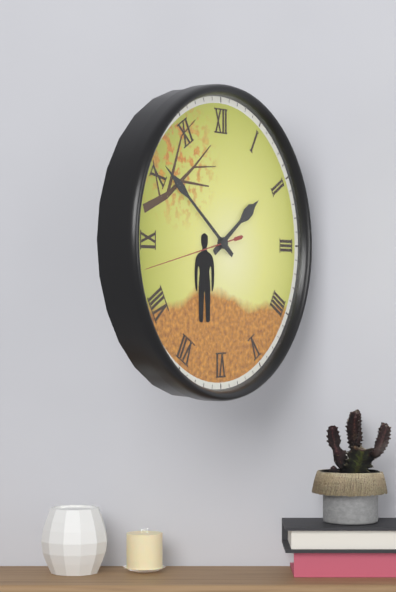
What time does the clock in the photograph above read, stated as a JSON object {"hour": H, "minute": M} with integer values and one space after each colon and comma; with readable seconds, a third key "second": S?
{"hour": 1, "minute": 51, "second": 43}
